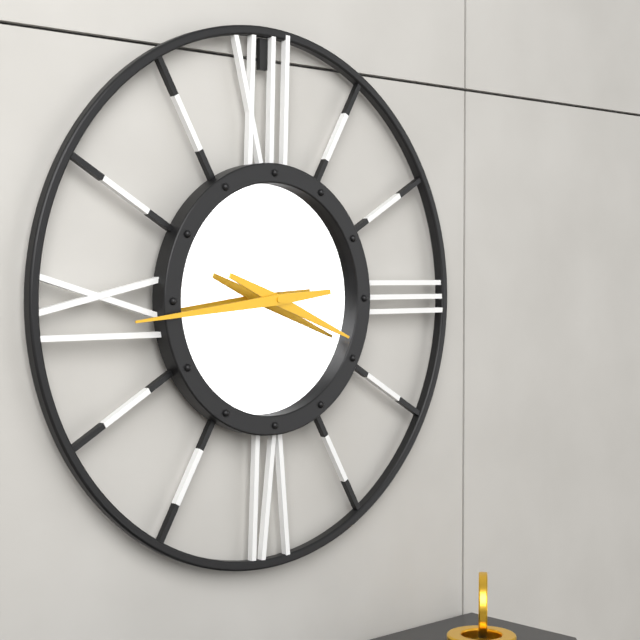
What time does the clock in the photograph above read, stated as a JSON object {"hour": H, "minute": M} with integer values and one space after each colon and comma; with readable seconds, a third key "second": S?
{"hour": 3, "minute": 44}
